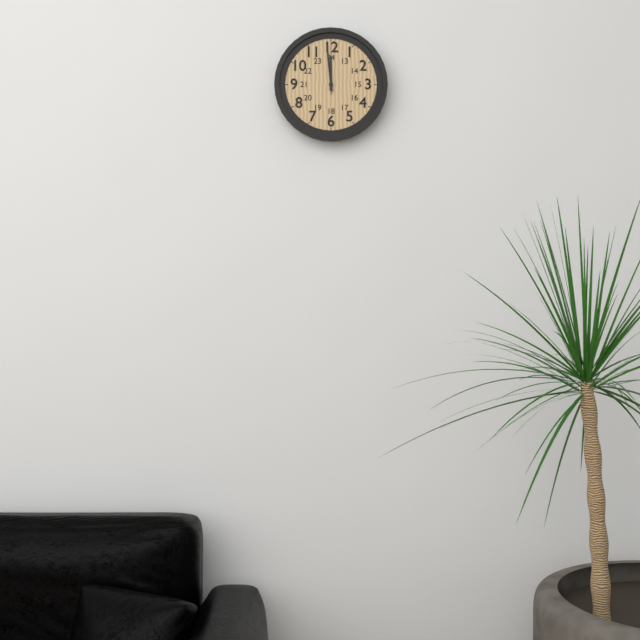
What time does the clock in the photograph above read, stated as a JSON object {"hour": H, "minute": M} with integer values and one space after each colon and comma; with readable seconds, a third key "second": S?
{"hour": 11, "minute": 59, "second": 0}
